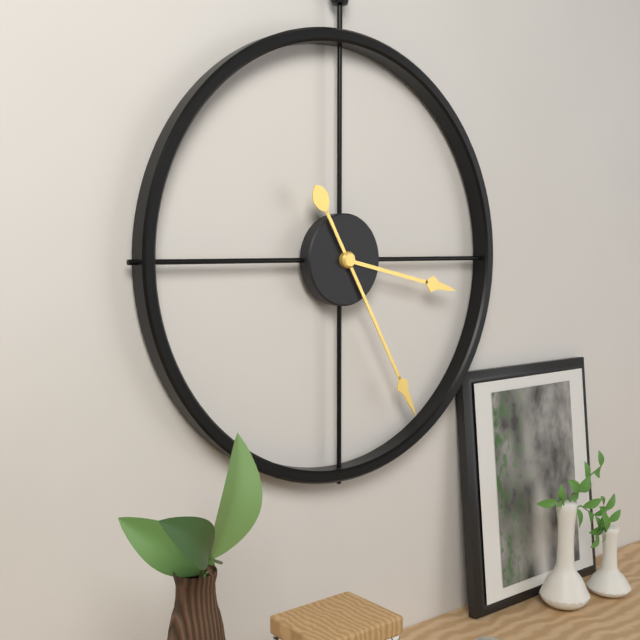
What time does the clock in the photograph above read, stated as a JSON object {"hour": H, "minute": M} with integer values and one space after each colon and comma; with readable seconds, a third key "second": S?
{"hour": 3, "minute": 25}
